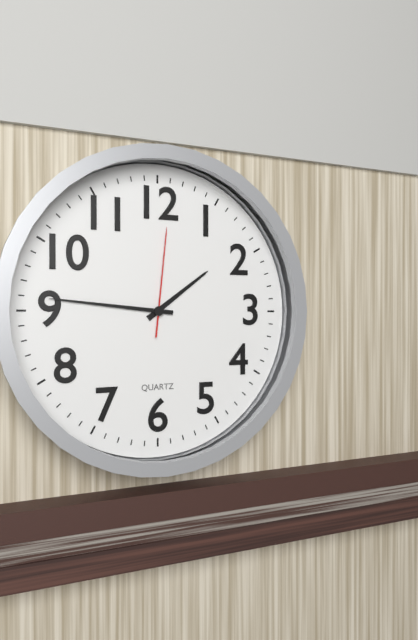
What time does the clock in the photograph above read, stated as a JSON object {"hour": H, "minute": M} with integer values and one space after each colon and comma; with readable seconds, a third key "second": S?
{"hour": 1, "minute": 46, "second": 1}
